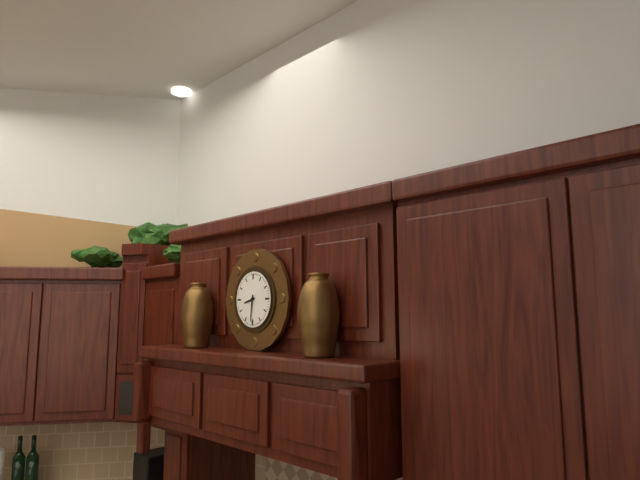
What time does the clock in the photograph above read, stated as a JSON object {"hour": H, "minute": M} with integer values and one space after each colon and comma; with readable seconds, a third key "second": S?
{"hour": 8, "minute": 31}
